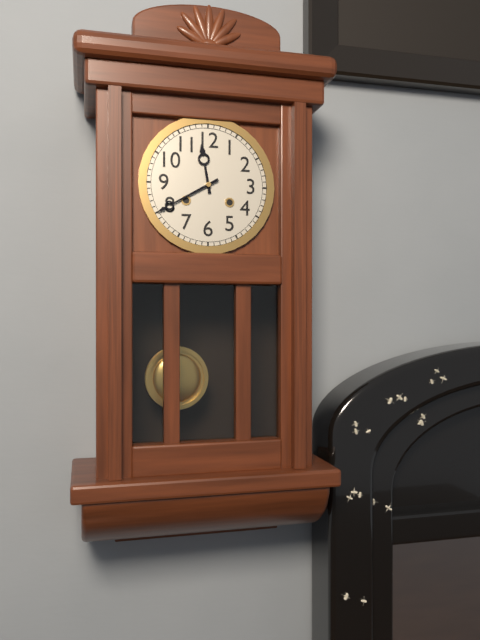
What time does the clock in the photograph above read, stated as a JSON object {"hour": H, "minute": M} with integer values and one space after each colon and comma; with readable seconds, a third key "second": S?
{"hour": 11, "minute": 40}
